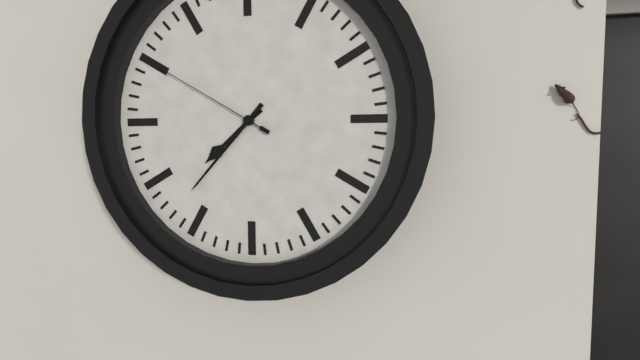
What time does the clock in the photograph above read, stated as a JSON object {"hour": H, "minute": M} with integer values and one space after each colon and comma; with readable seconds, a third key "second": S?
{"hour": 7, "minute": 37, "second": 50}
